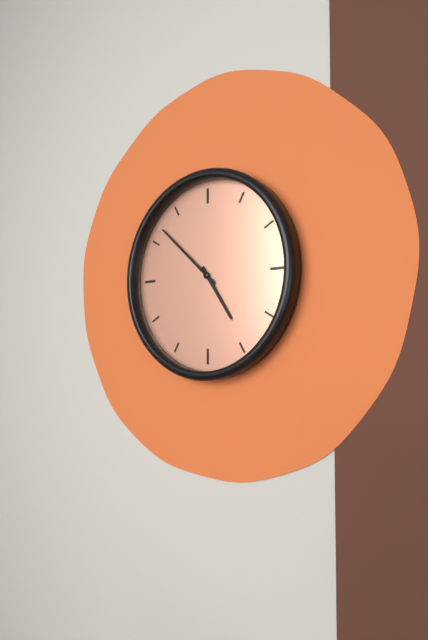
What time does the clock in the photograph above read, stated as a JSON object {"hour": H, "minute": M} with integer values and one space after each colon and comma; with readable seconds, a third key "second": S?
{"hour": 4, "minute": 52}
